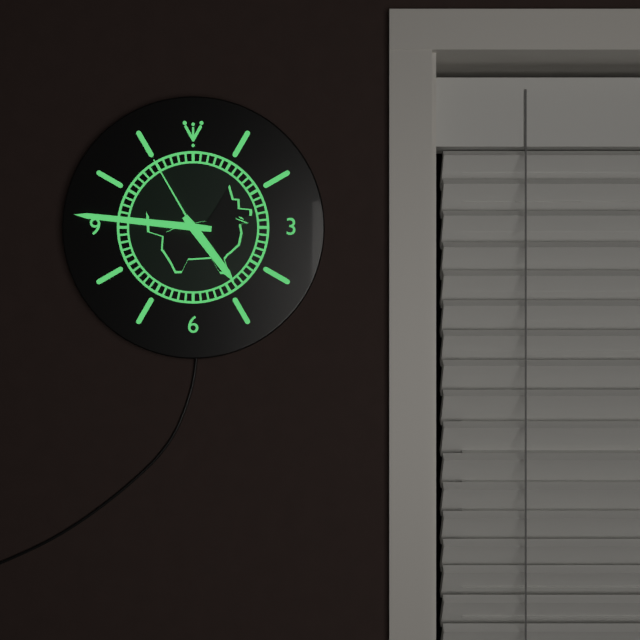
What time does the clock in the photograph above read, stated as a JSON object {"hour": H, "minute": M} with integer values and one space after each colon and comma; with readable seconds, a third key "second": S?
{"hour": 4, "minute": 46, "second": 55}
